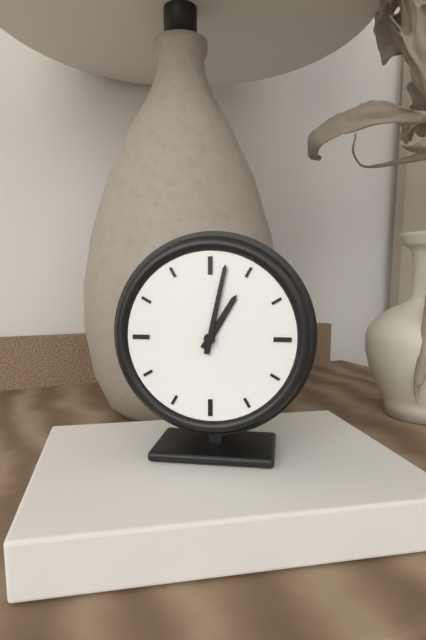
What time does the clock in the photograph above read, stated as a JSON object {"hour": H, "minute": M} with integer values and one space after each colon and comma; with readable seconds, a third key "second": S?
{"hour": 1, "minute": 2}
